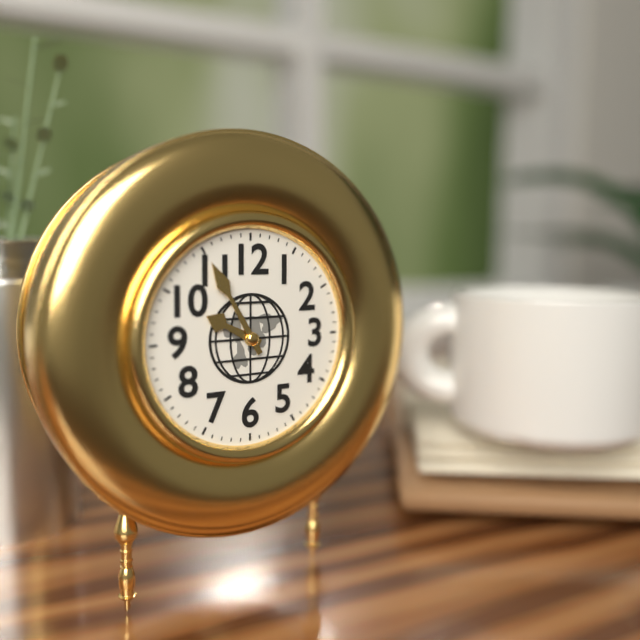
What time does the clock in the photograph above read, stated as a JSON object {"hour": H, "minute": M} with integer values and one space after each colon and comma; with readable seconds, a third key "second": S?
{"hour": 9, "minute": 55}
